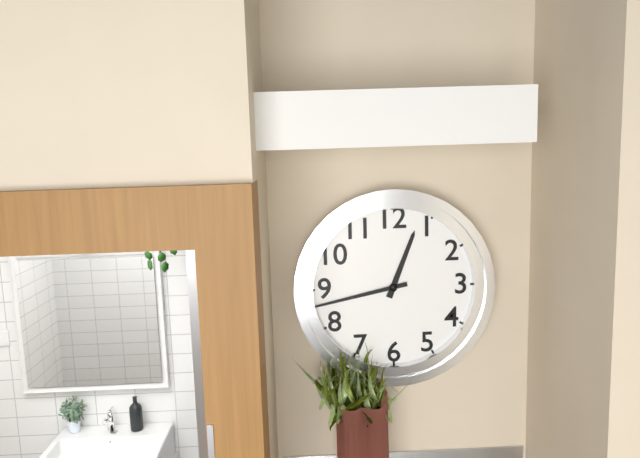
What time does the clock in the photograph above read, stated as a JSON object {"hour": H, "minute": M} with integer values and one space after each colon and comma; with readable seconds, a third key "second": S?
{"hour": 12, "minute": 43}
